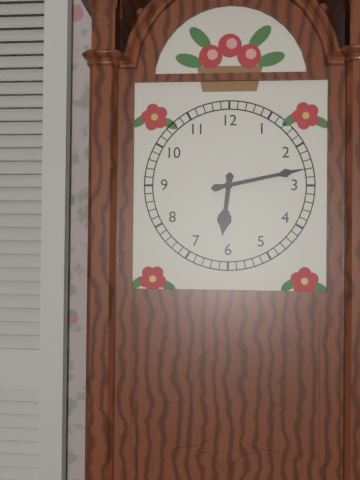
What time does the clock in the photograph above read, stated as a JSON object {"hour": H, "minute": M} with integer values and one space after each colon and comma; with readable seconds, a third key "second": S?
{"hour": 6, "minute": 13}
